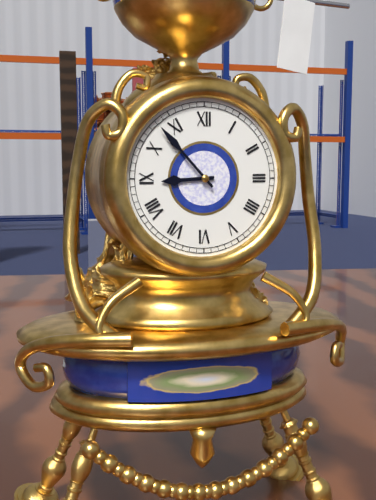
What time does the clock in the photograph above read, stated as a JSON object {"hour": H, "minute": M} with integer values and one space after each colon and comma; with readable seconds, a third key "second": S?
{"hour": 8, "minute": 53}
